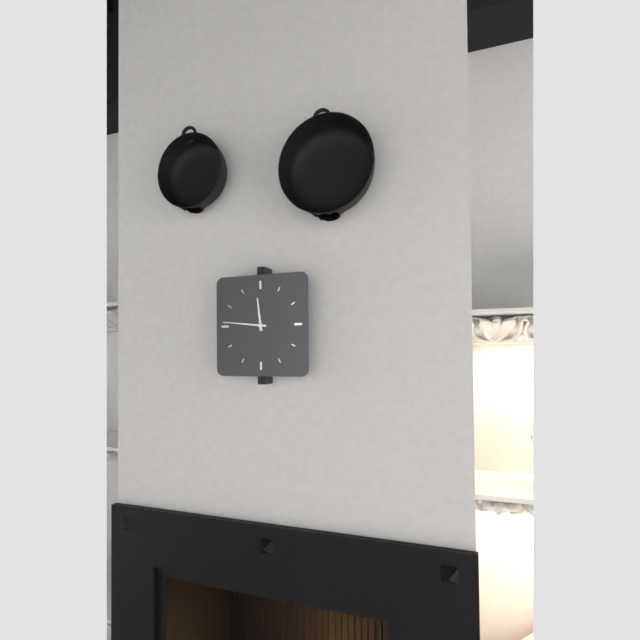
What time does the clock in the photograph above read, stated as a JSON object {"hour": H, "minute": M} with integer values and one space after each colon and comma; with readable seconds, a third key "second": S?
{"hour": 11, "minute": 46}
